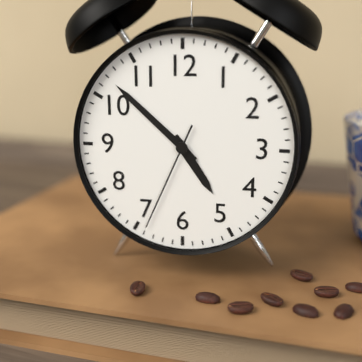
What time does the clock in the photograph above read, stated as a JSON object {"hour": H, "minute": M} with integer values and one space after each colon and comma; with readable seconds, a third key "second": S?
{"hour": 4, "minute": 52, "second": 34}
